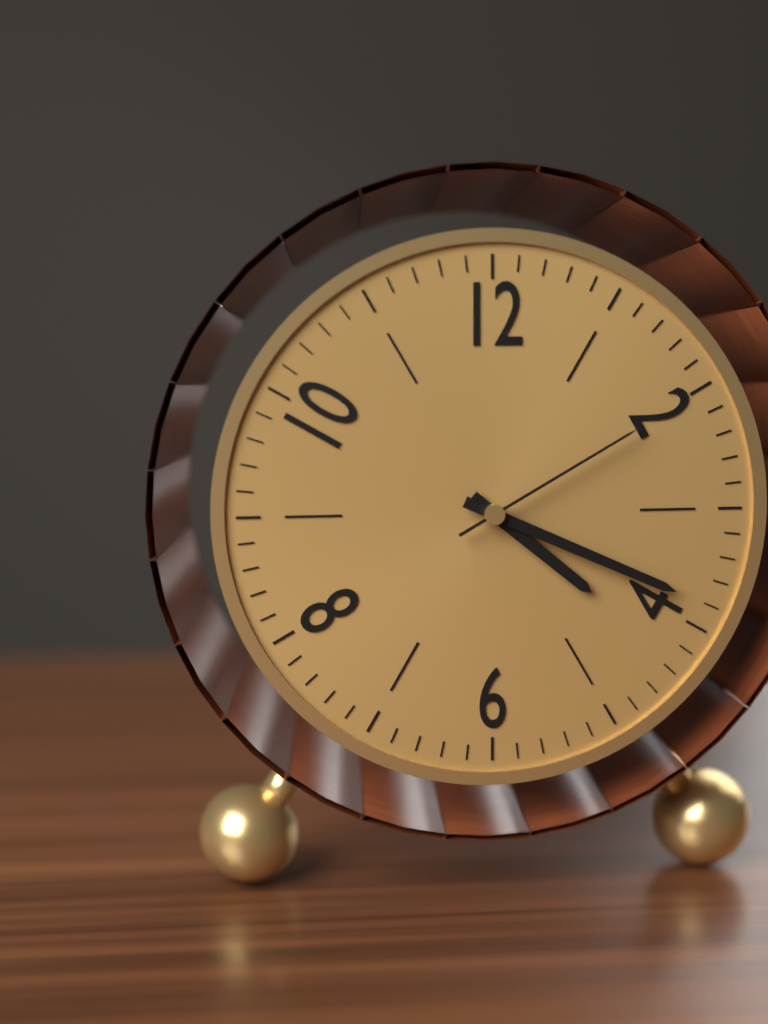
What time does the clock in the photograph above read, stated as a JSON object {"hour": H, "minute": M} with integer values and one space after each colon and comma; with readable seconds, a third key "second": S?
{"hour": 4, "minute": 19, "second": 10}
